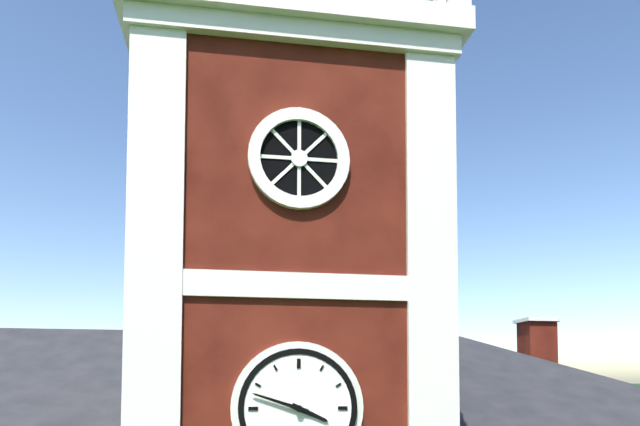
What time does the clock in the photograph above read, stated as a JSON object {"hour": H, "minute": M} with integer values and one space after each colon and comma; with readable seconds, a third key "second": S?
{"hour": 3, "minute": 48}
